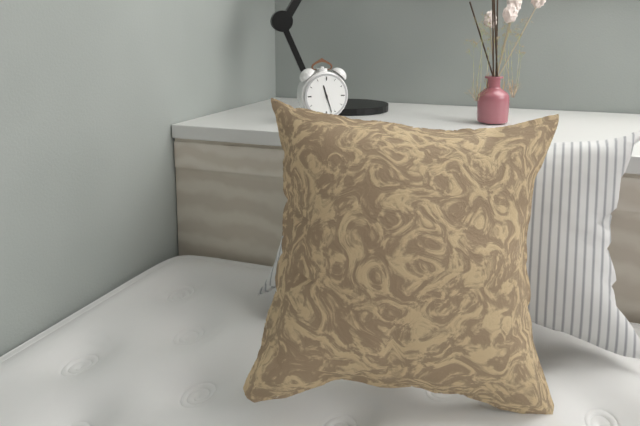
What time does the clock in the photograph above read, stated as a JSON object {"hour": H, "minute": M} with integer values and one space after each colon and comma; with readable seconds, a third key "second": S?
{"hour": 11, "minute": 27}
